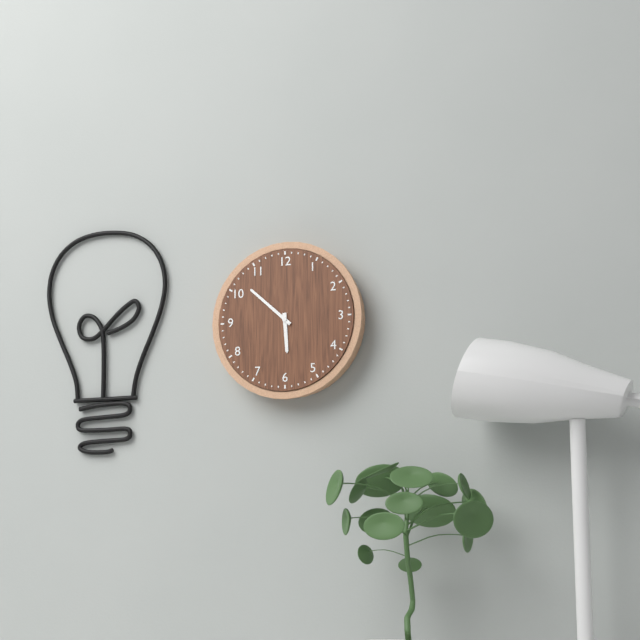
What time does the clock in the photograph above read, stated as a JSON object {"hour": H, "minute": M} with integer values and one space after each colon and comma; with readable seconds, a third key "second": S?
{"hour": 5, "minute": 52}
